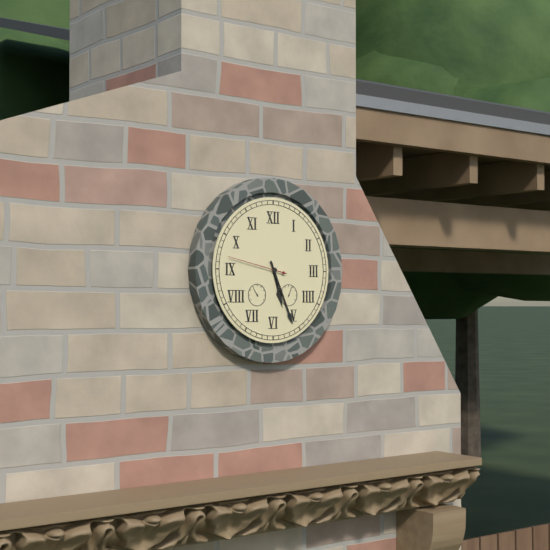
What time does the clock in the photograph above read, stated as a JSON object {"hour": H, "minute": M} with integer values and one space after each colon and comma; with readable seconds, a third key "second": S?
{"hour": 5, "minute": 26, "second": 47}
